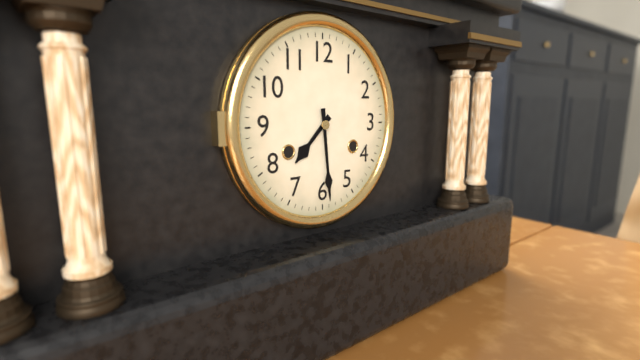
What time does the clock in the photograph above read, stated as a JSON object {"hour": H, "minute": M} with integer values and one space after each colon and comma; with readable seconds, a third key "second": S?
{"hour": 7, "minute": 29}
